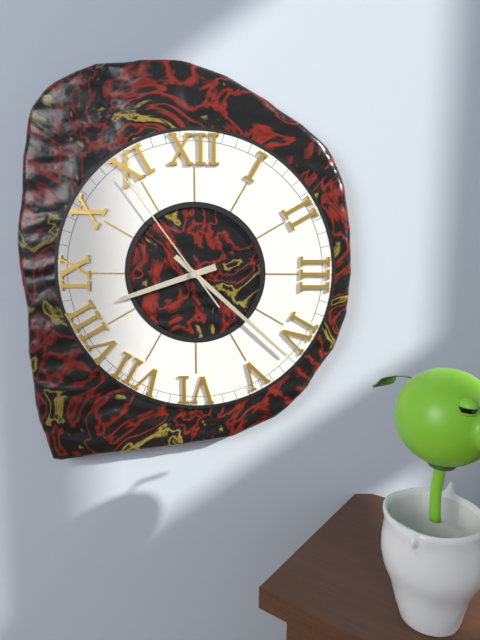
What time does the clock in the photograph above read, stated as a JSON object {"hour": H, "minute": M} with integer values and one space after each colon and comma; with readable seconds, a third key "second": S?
{"hour": 8, "minute": 22, "second": 54}
